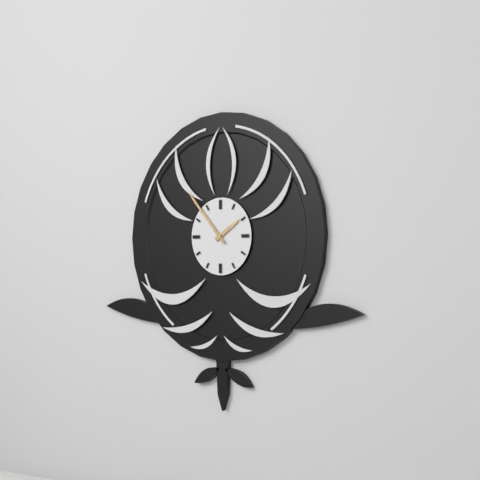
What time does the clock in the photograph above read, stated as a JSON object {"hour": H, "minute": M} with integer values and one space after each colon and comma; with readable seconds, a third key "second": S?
{"hour": 1, "minute": 53}
